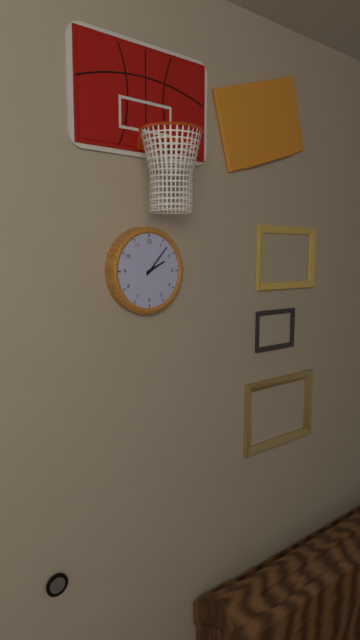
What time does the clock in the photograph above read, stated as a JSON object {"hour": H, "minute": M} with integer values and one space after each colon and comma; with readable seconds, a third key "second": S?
{"hour": 2, "minute": 7}
